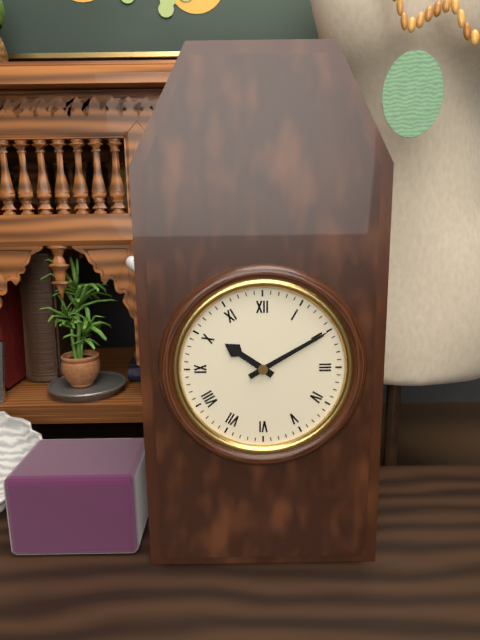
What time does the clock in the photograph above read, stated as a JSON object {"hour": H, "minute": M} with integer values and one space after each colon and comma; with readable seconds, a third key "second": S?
{"hour": 10, "minute": 10}
